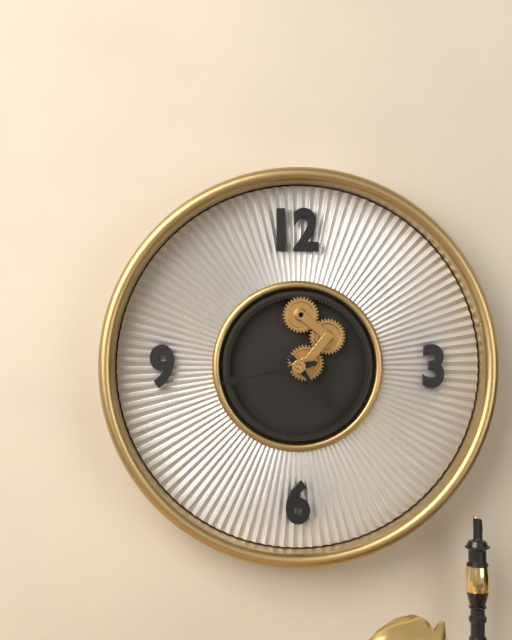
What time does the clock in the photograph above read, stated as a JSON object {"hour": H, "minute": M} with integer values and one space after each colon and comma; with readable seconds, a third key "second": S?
{"hour": 4, "minute": 43}
